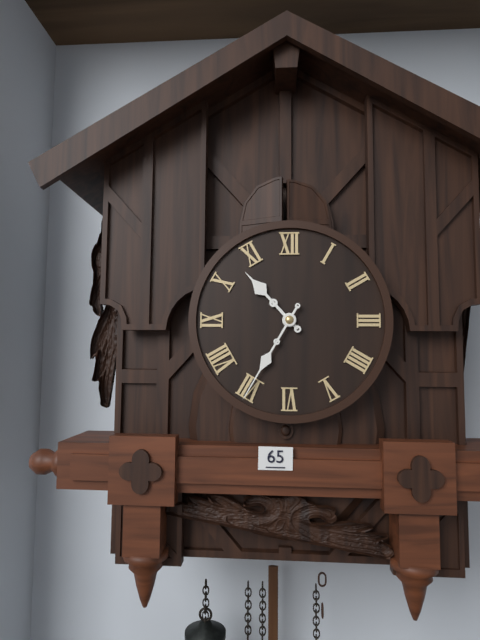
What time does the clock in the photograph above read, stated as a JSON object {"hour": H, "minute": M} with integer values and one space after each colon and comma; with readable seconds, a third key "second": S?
{"hour": 10, "minute": 35}
